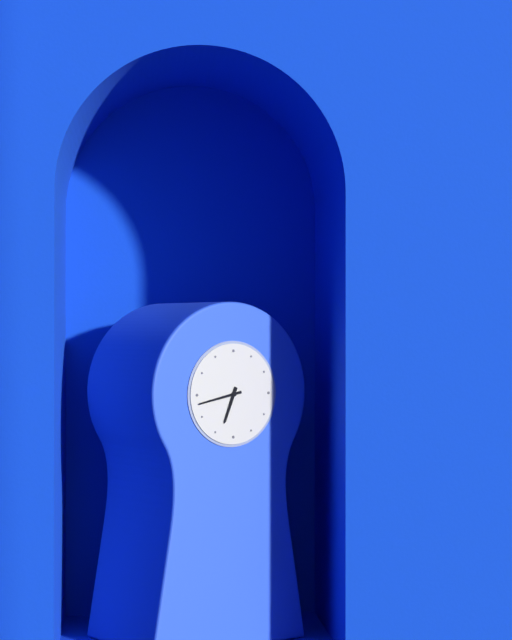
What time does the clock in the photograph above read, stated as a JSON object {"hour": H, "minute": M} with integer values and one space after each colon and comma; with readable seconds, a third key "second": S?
{"hour": 6, "minute": 43}
